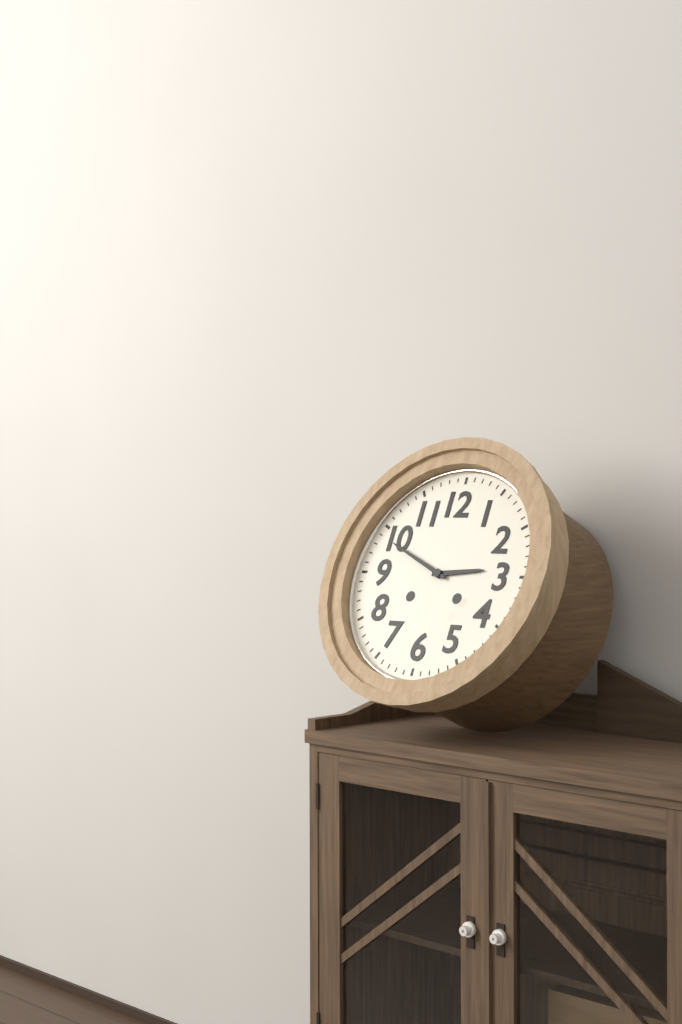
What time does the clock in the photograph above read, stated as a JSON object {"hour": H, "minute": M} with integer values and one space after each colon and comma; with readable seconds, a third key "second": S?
{"hour": 2, "minute": 49}
